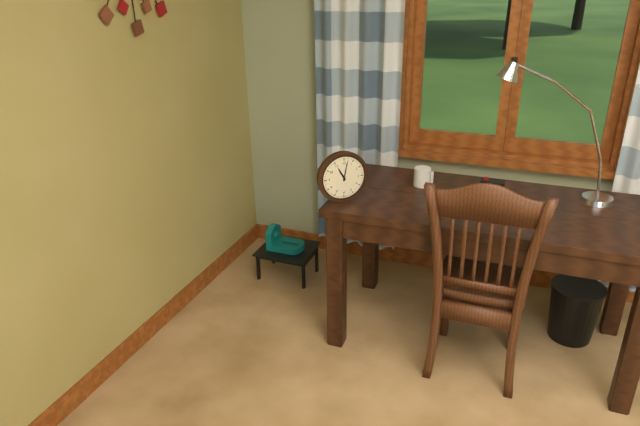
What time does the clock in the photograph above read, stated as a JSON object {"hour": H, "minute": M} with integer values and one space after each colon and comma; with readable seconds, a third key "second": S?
{"hour": 11, "minute": 2}
